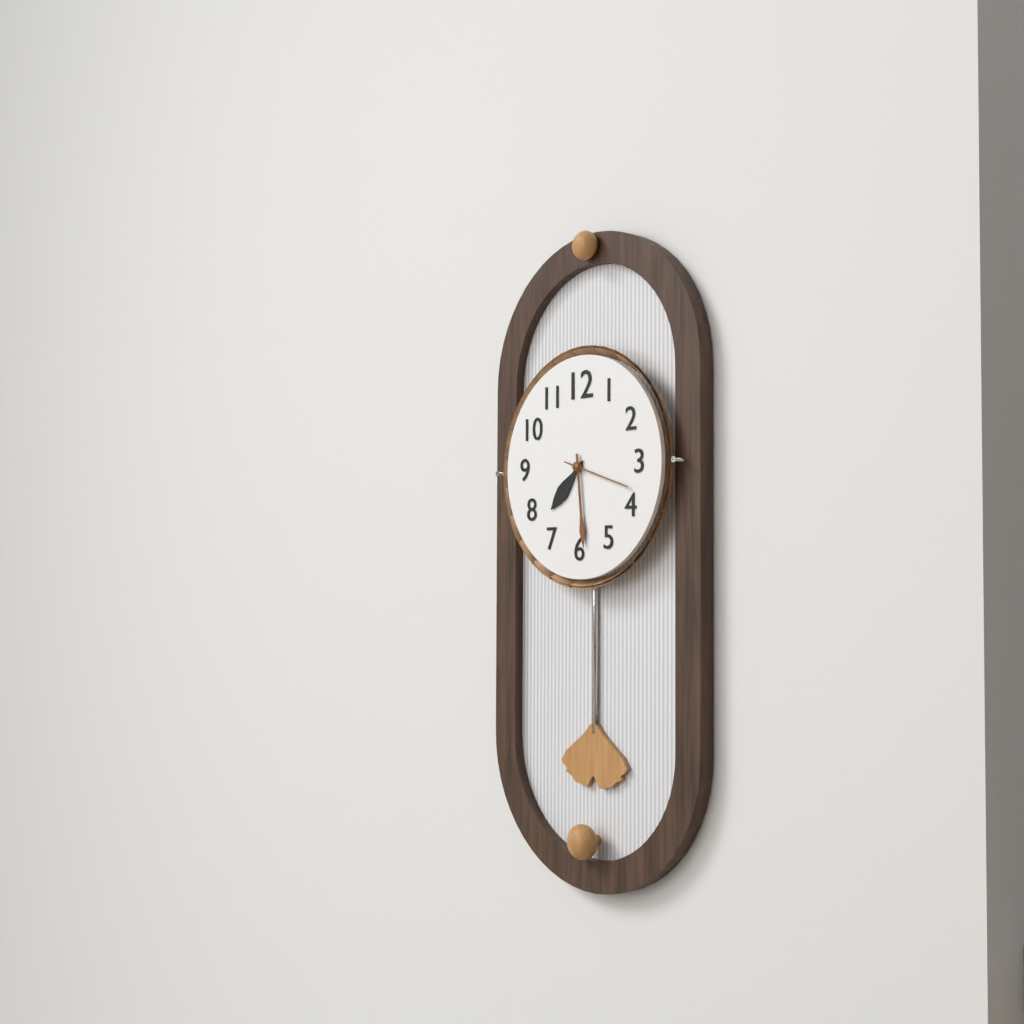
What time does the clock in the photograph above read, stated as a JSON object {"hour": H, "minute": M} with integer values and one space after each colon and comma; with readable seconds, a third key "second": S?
{"hour": 7, "minute": 29}
